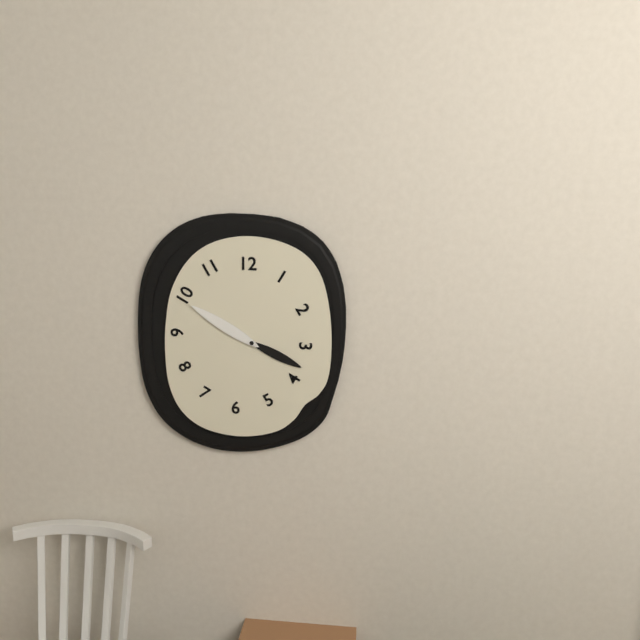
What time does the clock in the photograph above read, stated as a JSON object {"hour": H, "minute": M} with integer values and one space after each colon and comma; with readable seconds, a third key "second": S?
{"hour": 3, "minute": 50}
